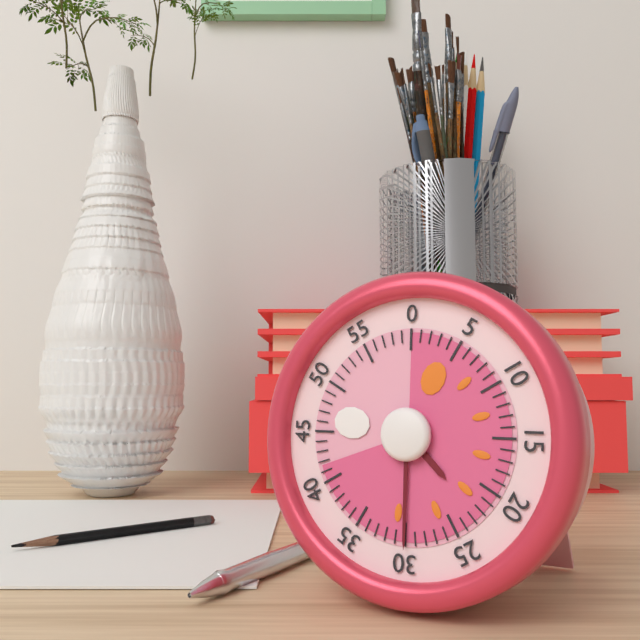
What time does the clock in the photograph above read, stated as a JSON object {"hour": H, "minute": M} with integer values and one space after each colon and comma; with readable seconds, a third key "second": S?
{"hour": 4, "minute": 30}
